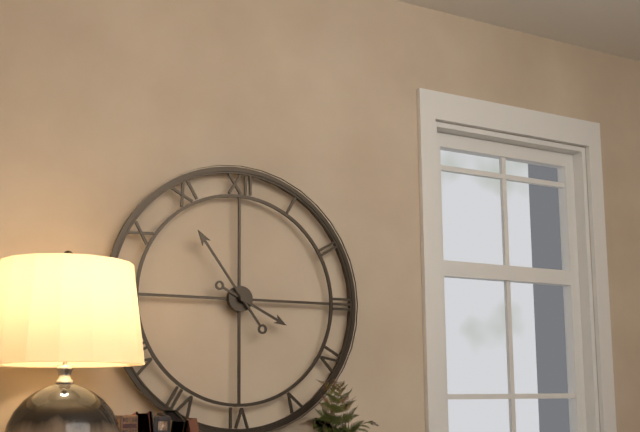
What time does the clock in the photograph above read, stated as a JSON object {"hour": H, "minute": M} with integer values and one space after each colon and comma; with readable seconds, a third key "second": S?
{"hour": 3, "minute": 54}
